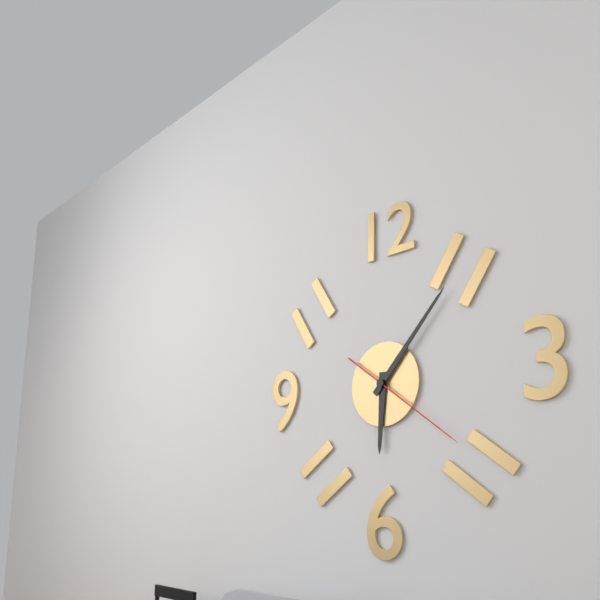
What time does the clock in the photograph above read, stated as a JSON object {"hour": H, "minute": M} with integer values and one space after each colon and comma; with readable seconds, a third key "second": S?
{"hour": 6, "minute": 7, "second": 21}
